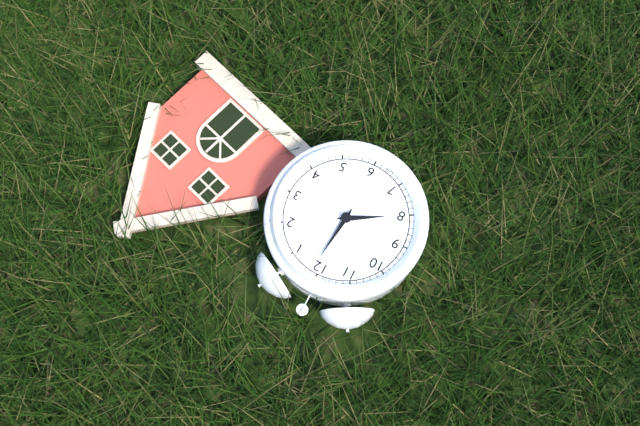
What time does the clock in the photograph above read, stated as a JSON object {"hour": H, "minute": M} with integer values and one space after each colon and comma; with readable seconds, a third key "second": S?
{"hour": 8, "minute": 1}
